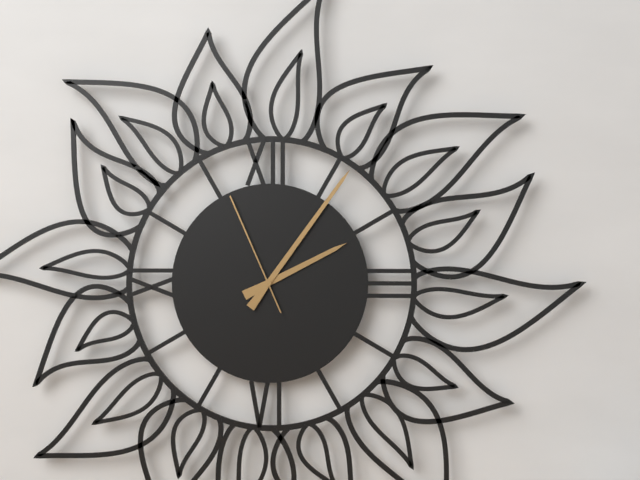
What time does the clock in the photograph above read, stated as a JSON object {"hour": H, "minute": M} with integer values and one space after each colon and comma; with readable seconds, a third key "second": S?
{"hour": 2, "minute": 6, "second": 56}
